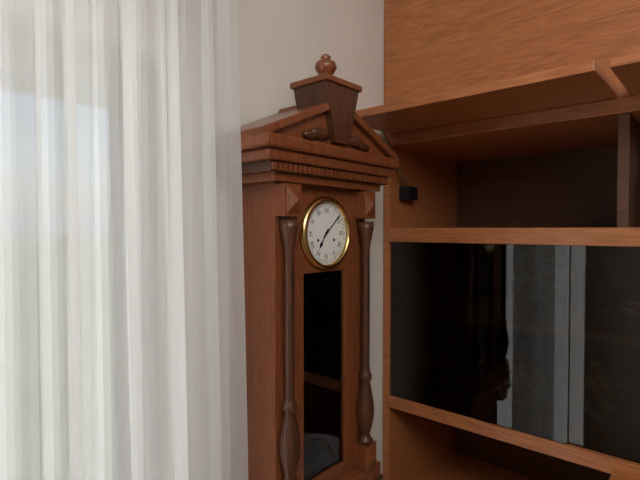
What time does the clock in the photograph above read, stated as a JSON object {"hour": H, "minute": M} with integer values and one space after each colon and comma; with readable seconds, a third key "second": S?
{"hour": 7, "minute": 8}
